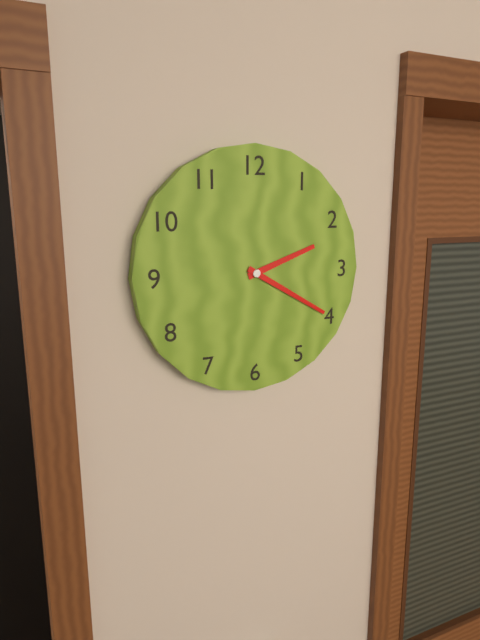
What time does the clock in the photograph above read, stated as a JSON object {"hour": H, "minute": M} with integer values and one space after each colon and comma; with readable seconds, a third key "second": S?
{"hour": 2, "minute": 20}
